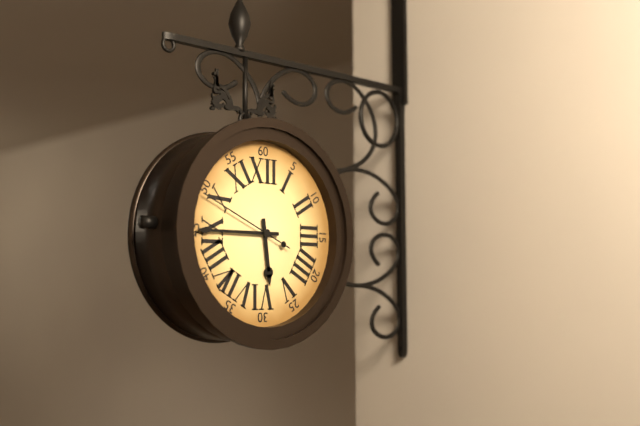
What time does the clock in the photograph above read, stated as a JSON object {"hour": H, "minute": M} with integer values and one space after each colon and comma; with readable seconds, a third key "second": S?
{"hour": 5, "minute": 45, "second": 49}
